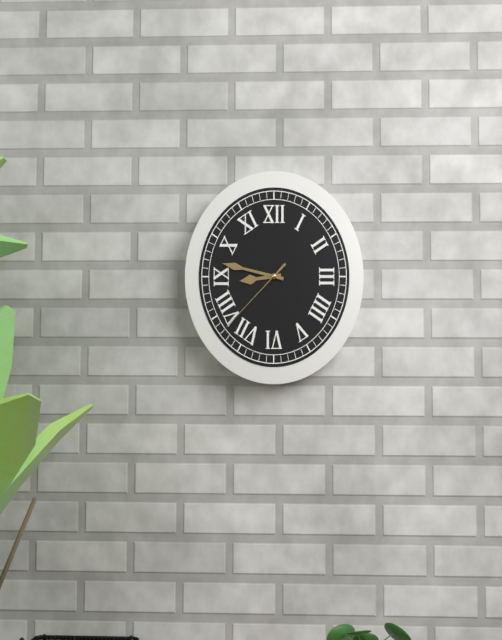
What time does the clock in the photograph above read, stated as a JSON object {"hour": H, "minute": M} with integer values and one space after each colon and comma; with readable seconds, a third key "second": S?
{"hour": 8, "minute": 47, "second": 38}
